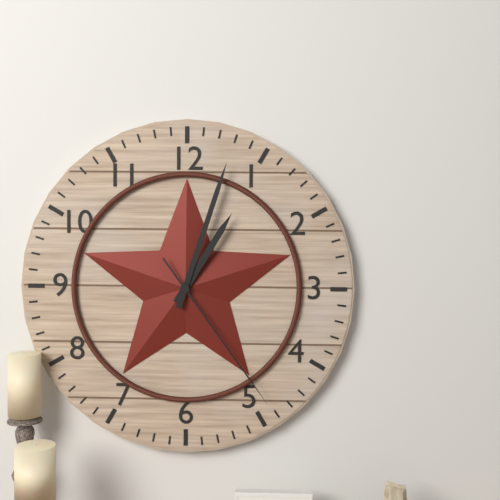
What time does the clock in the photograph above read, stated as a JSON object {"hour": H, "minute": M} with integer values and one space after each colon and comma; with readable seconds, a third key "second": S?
{"hour": 1, "minute": 3, "second": 24}
